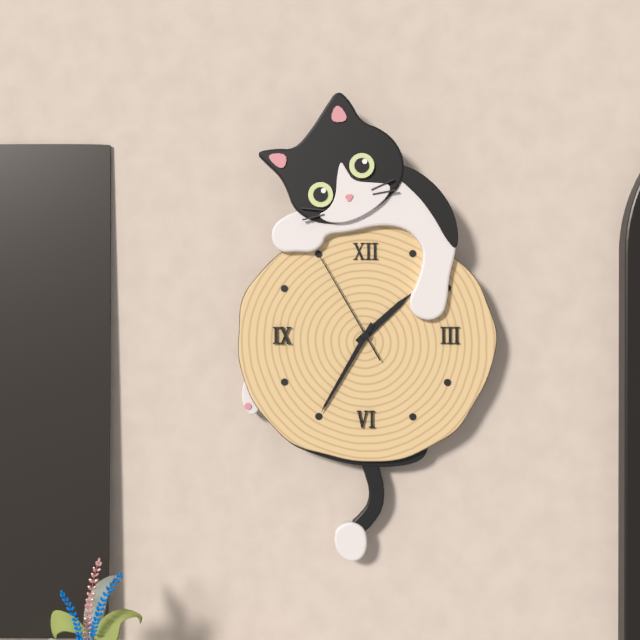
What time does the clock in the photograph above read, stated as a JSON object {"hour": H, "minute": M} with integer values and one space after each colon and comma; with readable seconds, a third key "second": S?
{"hour": 1, "minute": 35, "second": 55}
